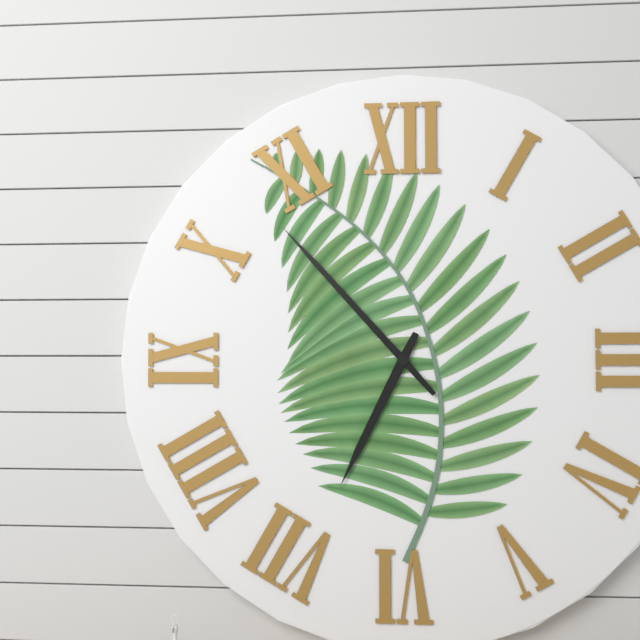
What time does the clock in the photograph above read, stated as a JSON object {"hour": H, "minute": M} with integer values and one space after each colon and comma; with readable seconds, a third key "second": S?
{"hour": 6, "minute": 53}
